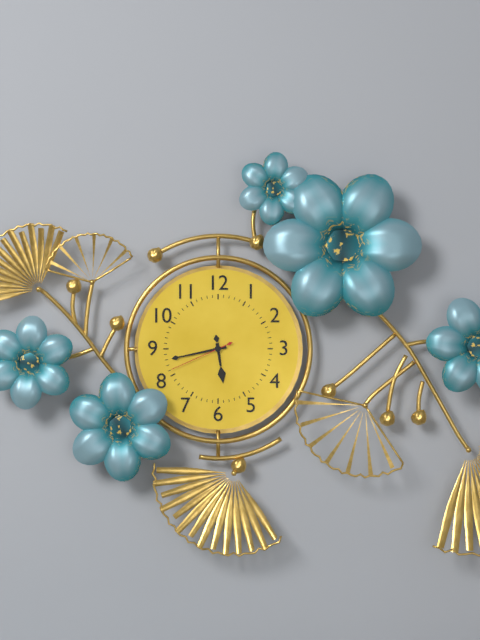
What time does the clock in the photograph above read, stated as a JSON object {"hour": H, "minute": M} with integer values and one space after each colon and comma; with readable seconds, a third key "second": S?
{"hour": 5, "minute": 43, "second": 41}
